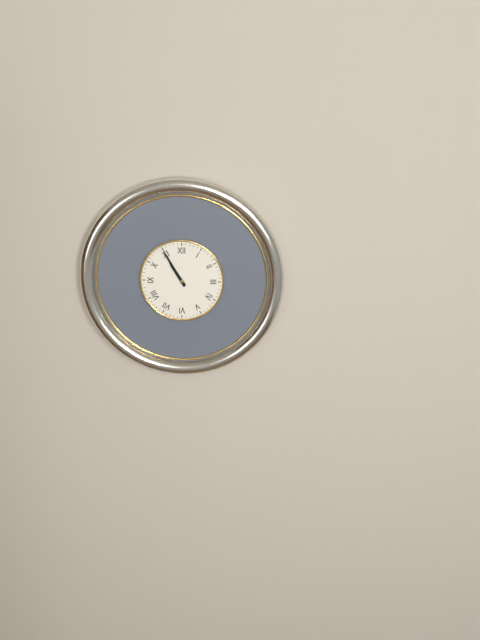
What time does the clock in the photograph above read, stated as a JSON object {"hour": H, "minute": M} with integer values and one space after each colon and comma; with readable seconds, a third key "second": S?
{"hour": 10, "minute": 55}
